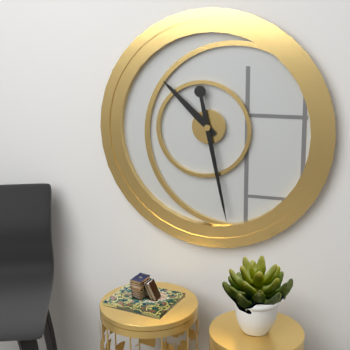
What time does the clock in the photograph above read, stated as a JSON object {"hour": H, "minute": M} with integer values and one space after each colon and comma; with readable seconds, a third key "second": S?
{"hour": 10, "minute": 28}
